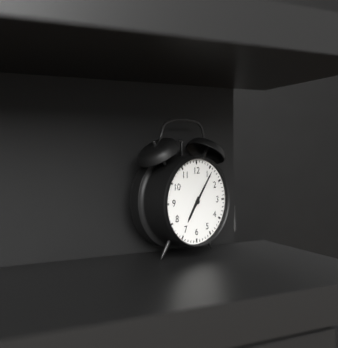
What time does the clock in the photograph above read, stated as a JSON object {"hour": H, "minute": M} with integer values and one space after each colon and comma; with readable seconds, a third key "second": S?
{"hour": 7, "minute": 6}
